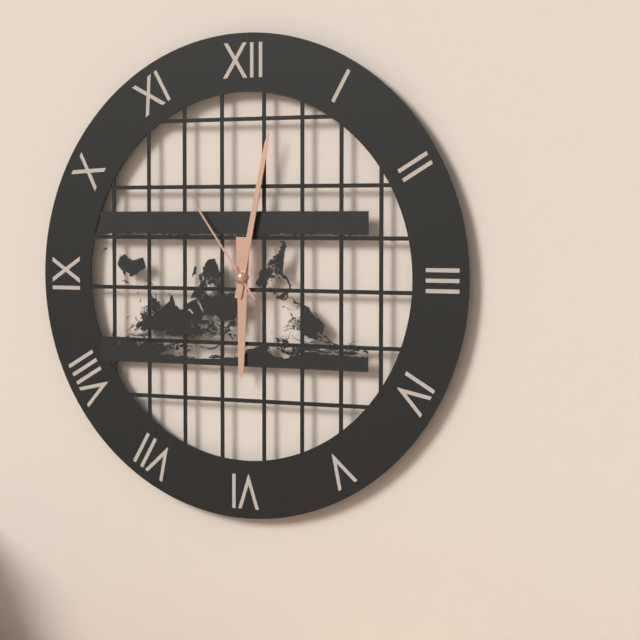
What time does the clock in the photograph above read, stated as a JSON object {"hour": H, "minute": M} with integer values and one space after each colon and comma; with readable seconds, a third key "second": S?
{"hour": 6, "minute": 2, "second": 54}
